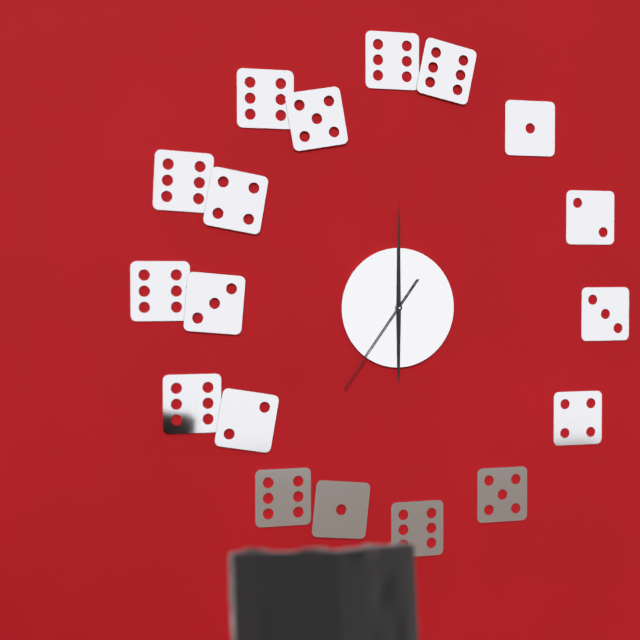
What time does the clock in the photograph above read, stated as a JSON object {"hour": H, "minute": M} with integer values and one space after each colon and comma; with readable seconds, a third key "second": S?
{"hour": 6, "minute": 0, "second": 36}
